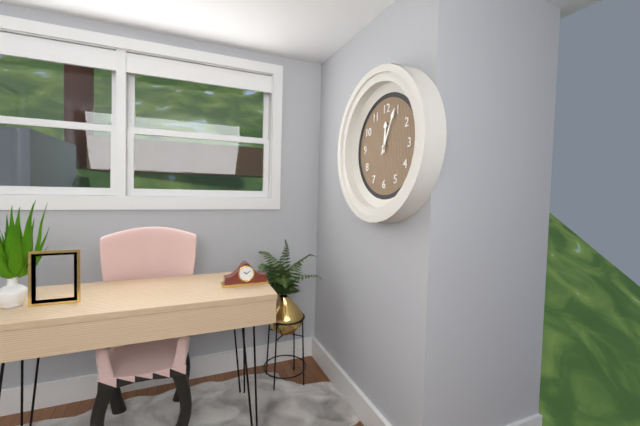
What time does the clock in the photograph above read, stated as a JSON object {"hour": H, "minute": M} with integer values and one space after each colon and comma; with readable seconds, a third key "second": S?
{"hour": 12, "minute": 4}
